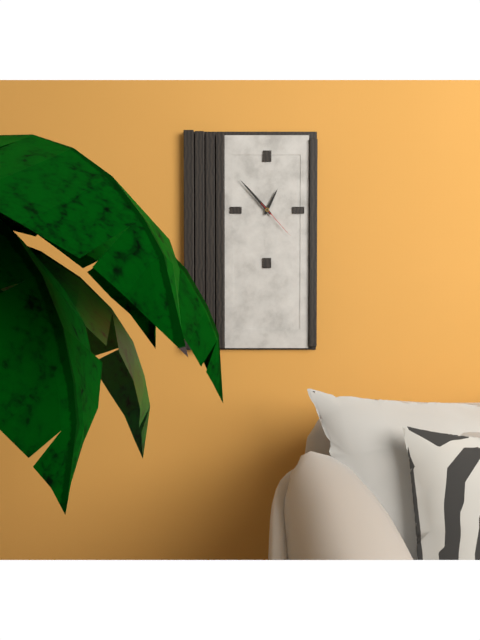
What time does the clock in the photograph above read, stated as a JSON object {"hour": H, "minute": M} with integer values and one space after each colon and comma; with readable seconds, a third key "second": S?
{"hour": 12, "minute": 53}
